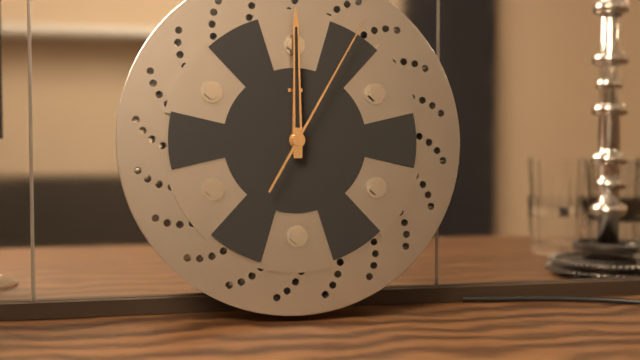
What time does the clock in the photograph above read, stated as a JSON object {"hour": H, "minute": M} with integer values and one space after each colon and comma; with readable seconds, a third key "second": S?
{"hour": 12, "minute": 0, "second": 5}
